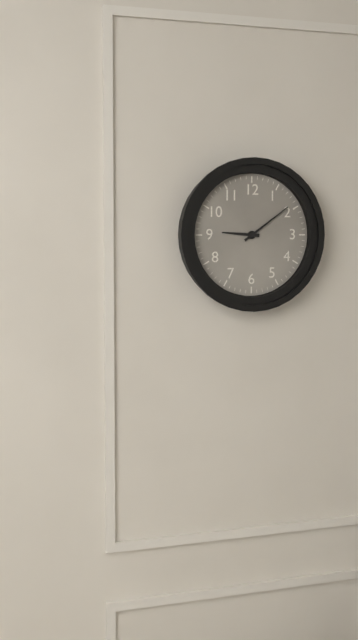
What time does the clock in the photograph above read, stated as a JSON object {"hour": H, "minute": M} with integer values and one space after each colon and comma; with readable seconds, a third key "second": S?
{"hour": 9, "minute": 9}
